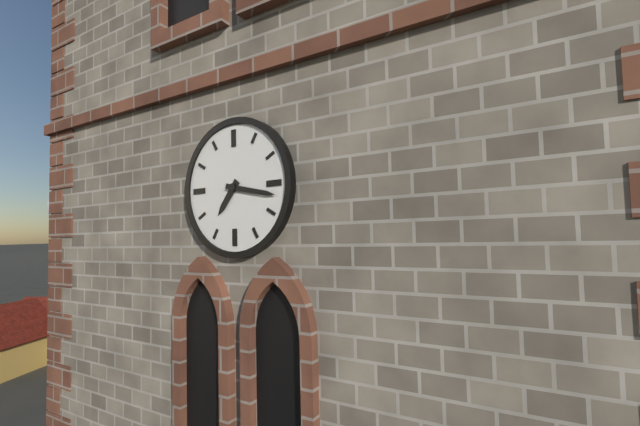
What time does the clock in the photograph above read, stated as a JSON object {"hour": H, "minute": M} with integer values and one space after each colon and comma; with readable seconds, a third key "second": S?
{"hour": 7, "minute": 17}
